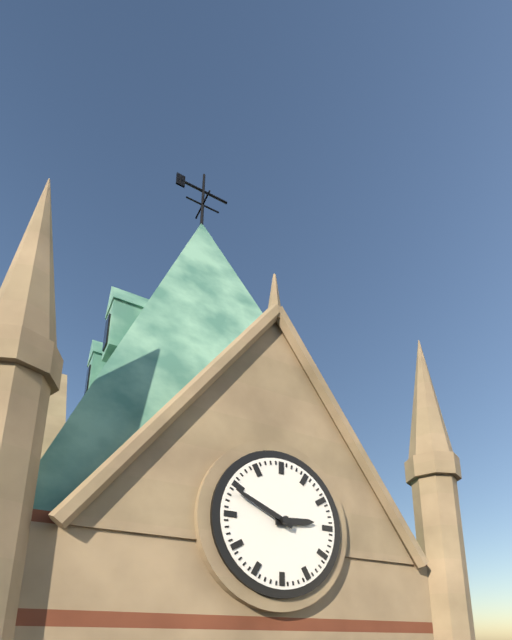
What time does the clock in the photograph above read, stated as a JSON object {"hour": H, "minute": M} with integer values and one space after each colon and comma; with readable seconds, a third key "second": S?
{"hour": 2, "minute": 49}
